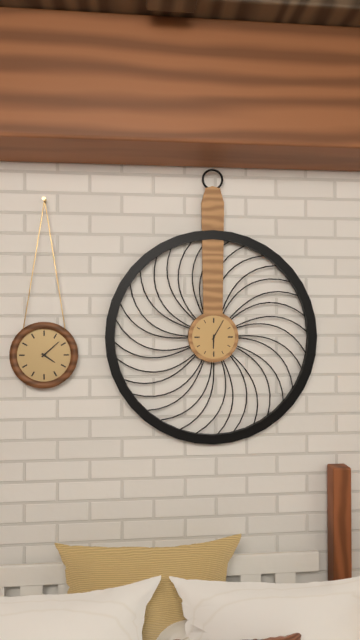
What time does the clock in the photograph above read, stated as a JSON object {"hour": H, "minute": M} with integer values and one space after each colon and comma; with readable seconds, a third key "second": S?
{"hour": 6, "minute": 5}
